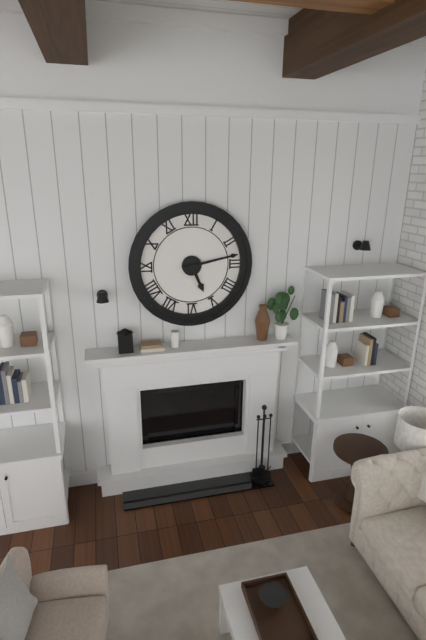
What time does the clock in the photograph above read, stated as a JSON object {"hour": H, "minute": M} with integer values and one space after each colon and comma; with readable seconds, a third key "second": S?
{"hour": 5, "minute": 13}
